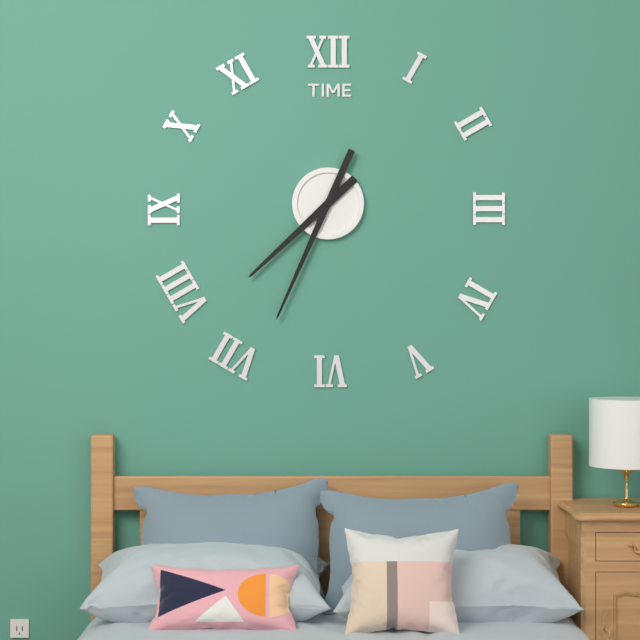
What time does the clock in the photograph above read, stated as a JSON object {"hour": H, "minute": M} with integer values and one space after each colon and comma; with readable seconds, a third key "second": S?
{"hour": 7, "minute": 34}
